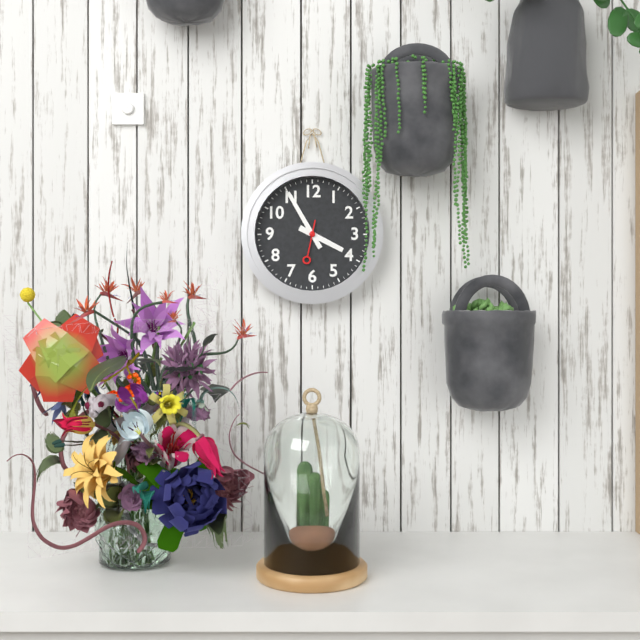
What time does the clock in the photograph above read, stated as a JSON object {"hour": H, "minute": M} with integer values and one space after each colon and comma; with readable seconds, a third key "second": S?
{"hour": 3, "minute": 55}
